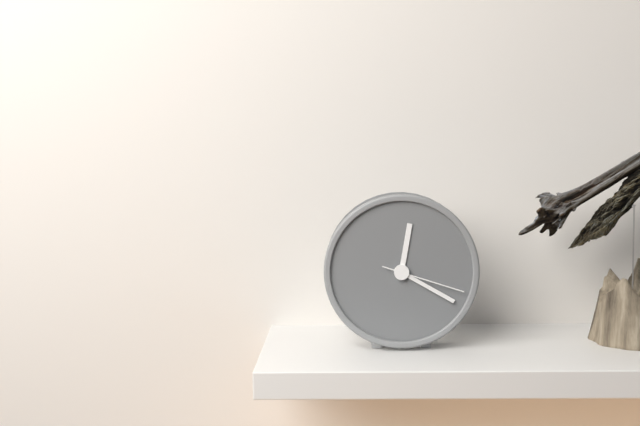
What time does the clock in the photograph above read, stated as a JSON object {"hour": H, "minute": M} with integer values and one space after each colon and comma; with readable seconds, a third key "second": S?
{"hour": 12, "minute": 20, "second": 18}
